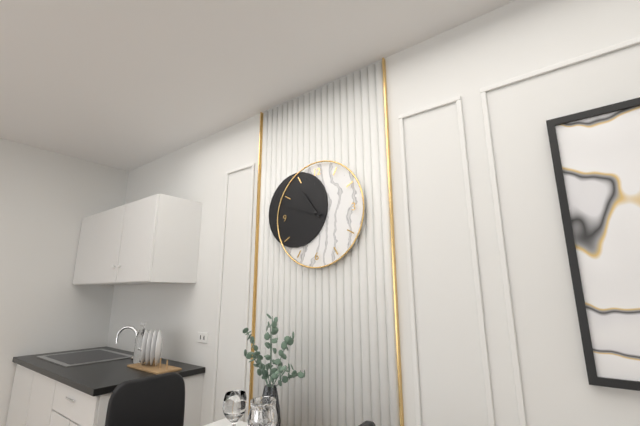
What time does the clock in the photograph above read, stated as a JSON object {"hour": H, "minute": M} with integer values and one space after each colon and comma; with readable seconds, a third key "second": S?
{"hour": 10, "minute": 48}
